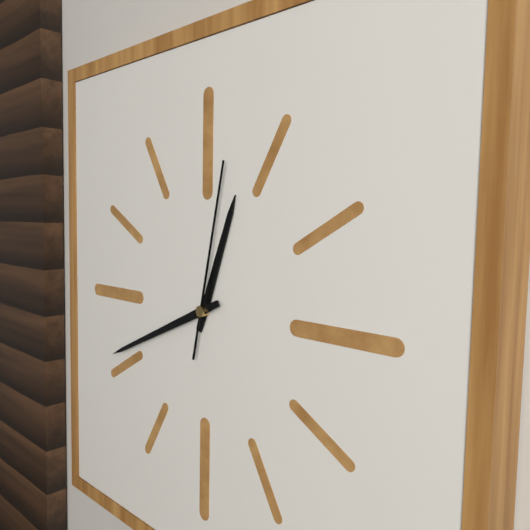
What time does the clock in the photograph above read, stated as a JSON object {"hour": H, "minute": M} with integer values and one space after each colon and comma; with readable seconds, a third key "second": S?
{"hour": 12, "minute": 41, "second": 2}
